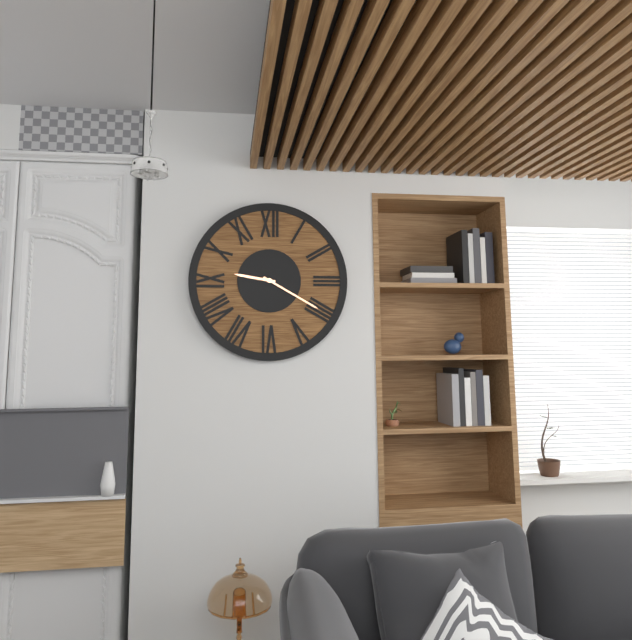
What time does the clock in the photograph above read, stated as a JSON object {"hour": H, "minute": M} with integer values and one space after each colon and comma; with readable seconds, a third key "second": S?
{"hour": 9, "minute": 20}
